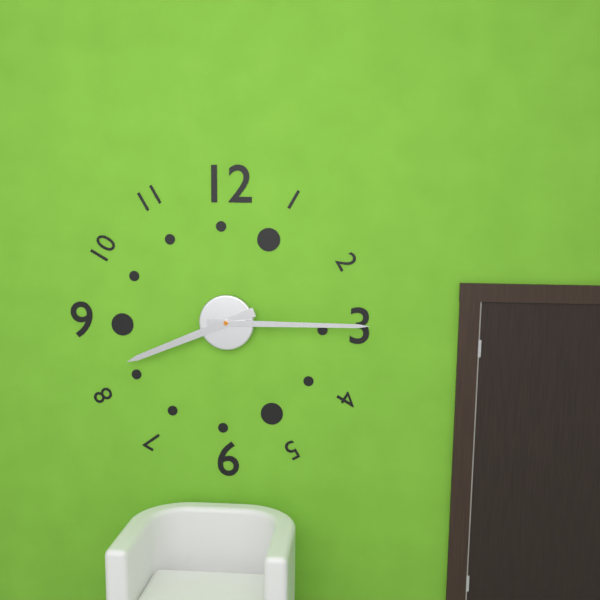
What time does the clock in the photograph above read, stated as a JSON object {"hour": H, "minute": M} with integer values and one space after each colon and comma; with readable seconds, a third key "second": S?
{"hour": 8, "minute": 15}
